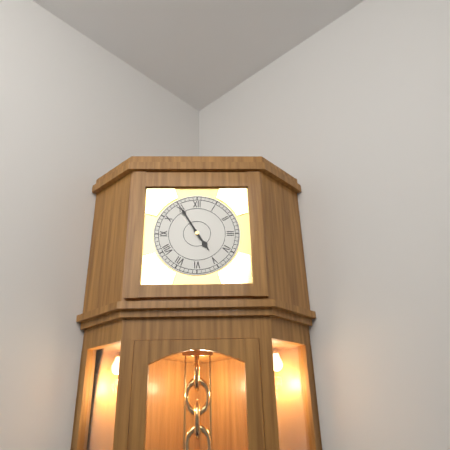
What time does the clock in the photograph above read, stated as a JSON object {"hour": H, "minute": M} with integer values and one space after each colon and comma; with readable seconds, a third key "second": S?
{"hour": 4, "minute": 55}
